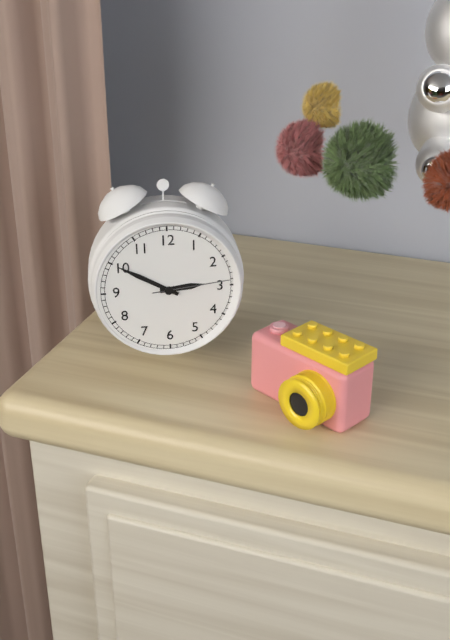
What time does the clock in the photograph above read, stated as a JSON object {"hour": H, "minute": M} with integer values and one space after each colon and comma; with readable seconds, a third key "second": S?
{"hour": 2, "minute": 50, "second": 14}
